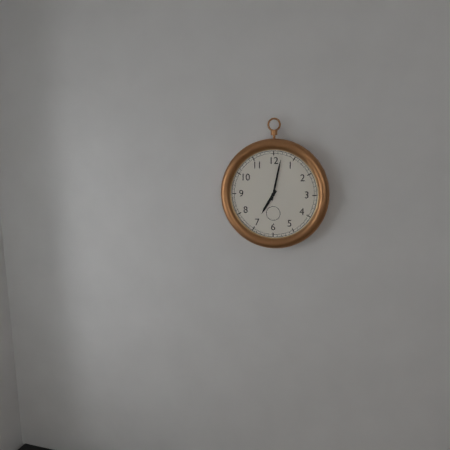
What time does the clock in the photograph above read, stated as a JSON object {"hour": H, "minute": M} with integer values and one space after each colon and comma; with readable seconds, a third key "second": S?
{"hour": 7, "minute": 2}
